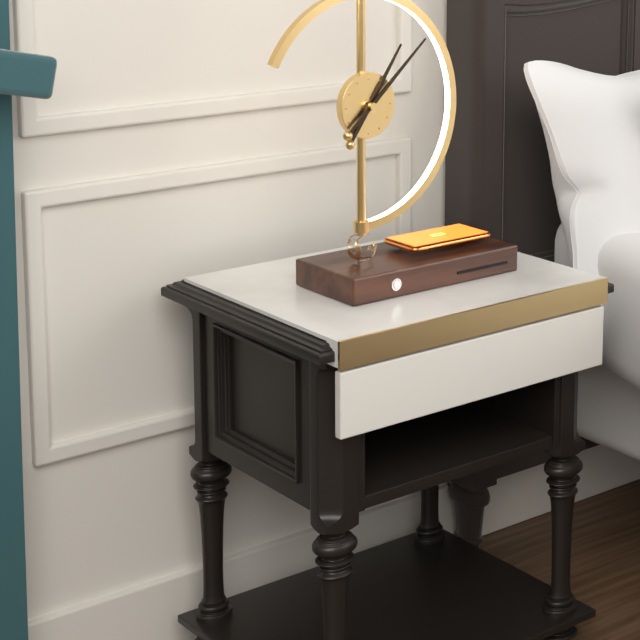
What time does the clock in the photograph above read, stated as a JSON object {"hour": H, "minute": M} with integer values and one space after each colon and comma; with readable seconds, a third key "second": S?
{"hour": 1, "minute": 8}
